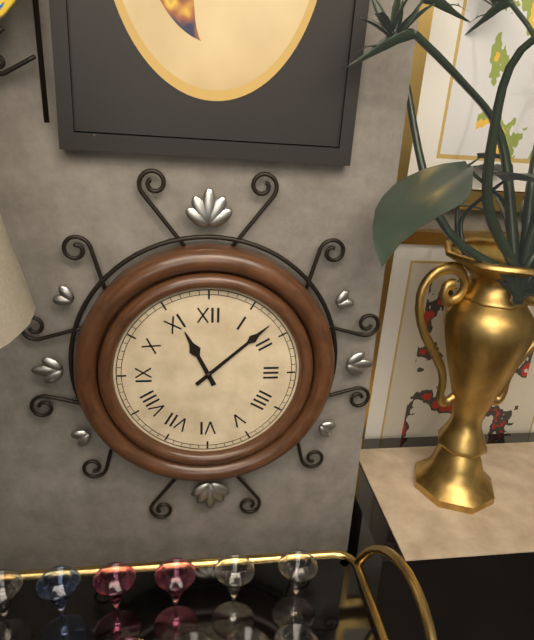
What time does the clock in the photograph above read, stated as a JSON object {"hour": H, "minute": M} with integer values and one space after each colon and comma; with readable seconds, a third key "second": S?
{"hour": 11, "minute": 8}
